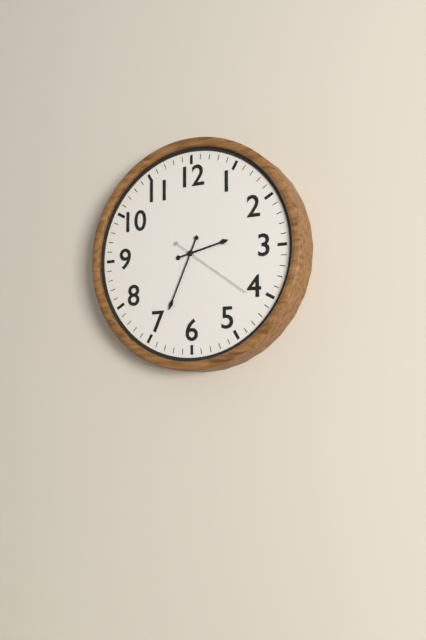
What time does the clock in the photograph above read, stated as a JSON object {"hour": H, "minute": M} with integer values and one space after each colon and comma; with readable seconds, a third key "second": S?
{"hour": 2, "minute": 34, "second": 21}
